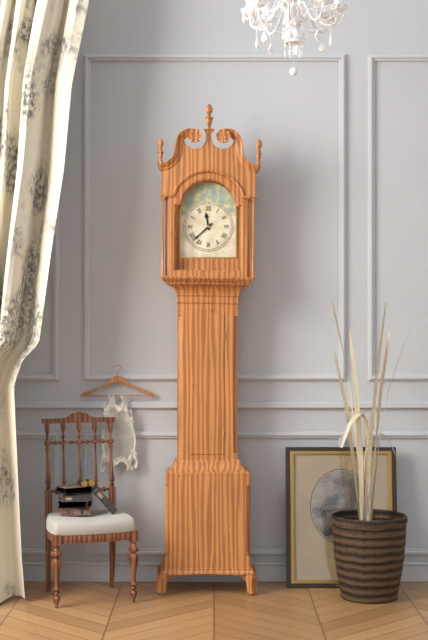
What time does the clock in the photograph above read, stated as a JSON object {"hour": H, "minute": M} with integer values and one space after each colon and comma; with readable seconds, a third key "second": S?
{"hour": 11, "minute": 38}
